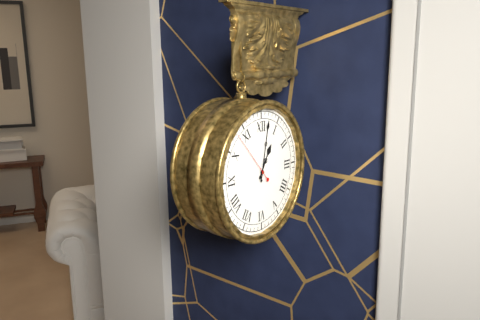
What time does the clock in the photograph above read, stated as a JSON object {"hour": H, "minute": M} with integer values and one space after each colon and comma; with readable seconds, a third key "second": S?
{"hour": 1, "minute": 2, "second": 53}
